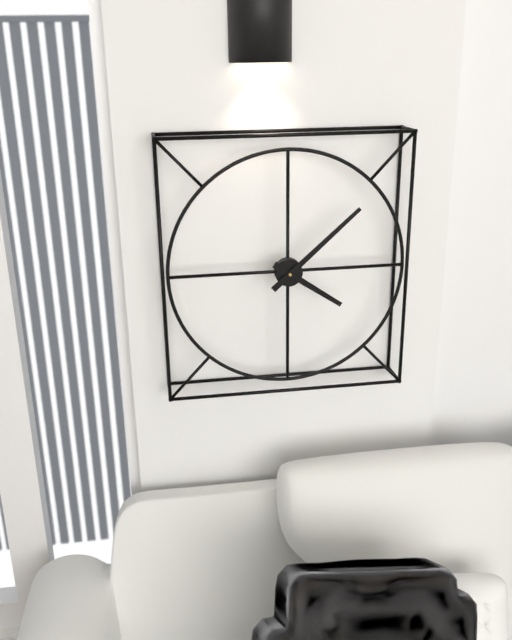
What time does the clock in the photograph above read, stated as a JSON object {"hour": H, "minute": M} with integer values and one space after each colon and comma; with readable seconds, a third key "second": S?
{"hour": 4, "minute": 8}
